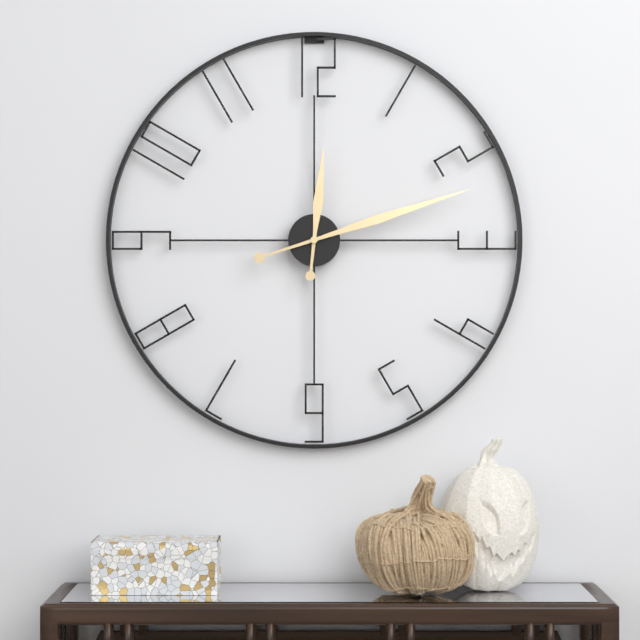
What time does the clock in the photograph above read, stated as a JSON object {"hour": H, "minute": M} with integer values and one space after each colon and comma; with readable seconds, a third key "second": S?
{"hour": 12, "minute": 12}
